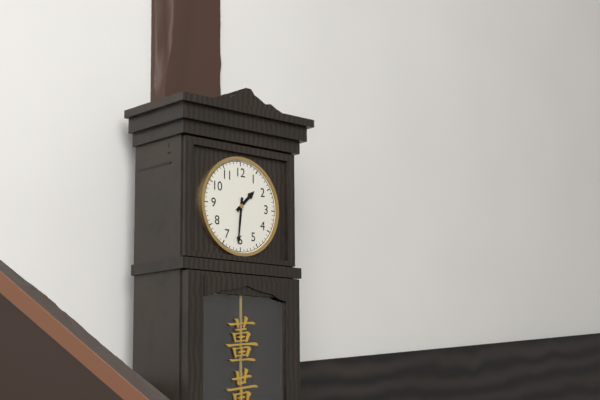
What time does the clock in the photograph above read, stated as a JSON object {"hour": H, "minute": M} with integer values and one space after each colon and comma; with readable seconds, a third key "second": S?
{"hour": 1, "minute": 31}
